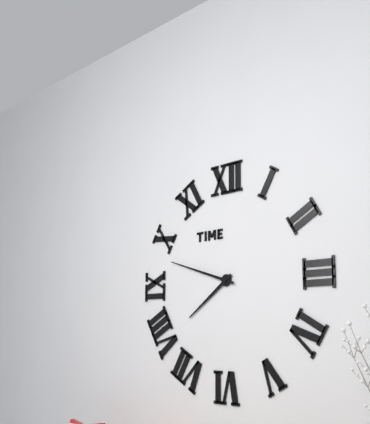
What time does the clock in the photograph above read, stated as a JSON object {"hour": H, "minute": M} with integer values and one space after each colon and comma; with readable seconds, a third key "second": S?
{"hour": 7, "minute": 48}
